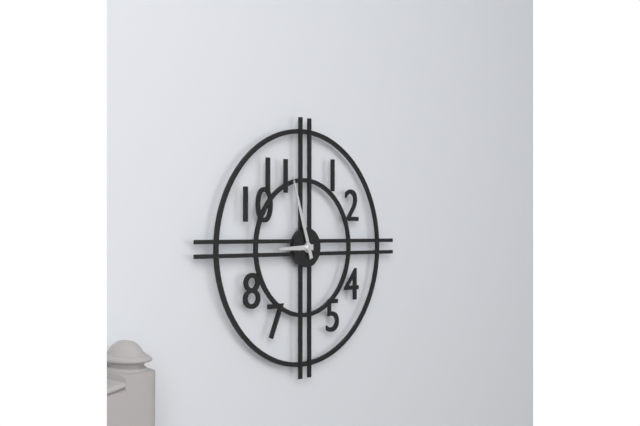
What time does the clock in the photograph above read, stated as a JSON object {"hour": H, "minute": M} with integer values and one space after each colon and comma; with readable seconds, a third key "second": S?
{"hour": 8, "minute": 57}
